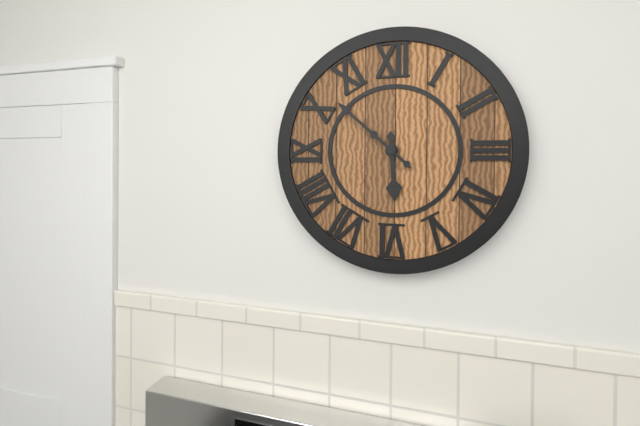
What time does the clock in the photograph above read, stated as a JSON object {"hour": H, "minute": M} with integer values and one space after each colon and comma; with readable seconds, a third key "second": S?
{"hour": 5, "minute": 52}
